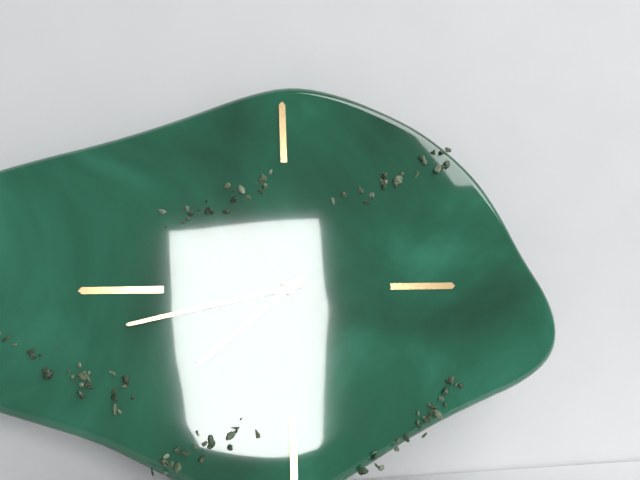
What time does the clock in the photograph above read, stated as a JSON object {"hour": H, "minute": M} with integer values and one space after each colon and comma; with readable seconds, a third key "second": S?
{"hour": 7, "minute": 43}
